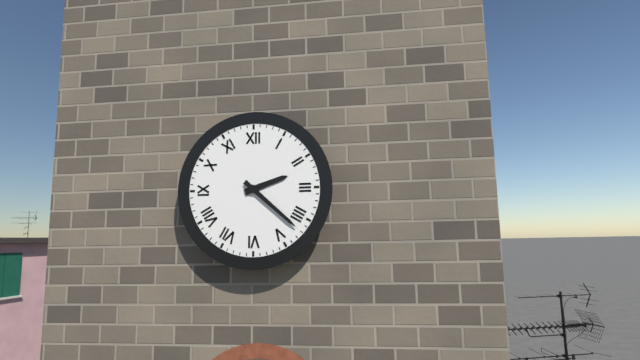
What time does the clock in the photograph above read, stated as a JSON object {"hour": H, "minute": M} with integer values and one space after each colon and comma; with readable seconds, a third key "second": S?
{"hour": 2, "minute": 22}
